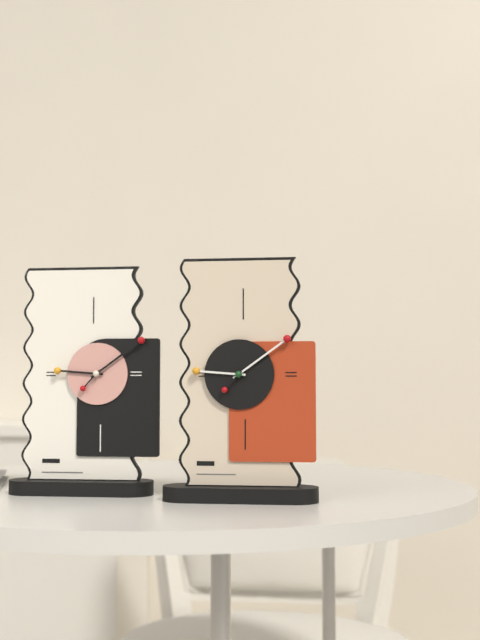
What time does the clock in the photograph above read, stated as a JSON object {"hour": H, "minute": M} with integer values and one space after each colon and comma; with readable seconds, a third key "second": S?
{"hour": 9, "minute": 9}
